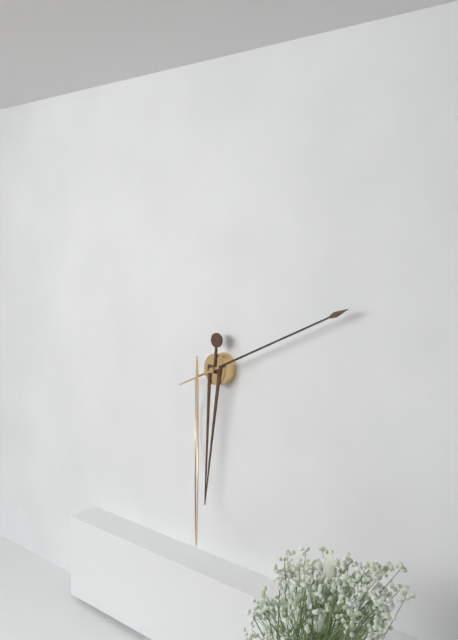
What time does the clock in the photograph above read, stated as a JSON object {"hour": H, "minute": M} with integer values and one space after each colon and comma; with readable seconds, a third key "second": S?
{"hour": 6, "minute": 11}
